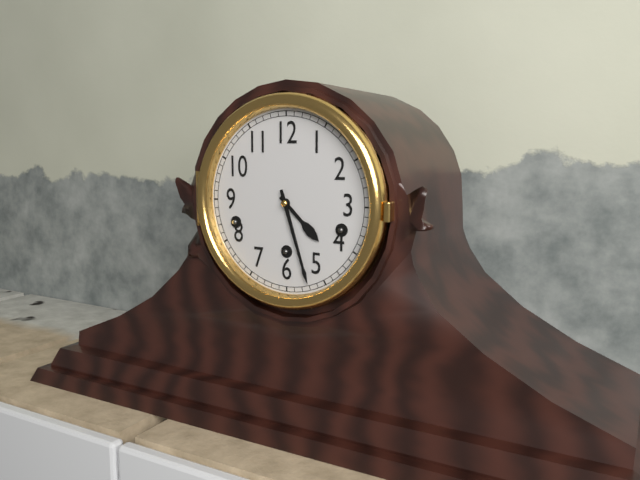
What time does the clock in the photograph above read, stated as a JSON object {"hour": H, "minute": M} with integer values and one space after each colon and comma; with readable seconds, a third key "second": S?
{"hour": 4, "minute": 27}
